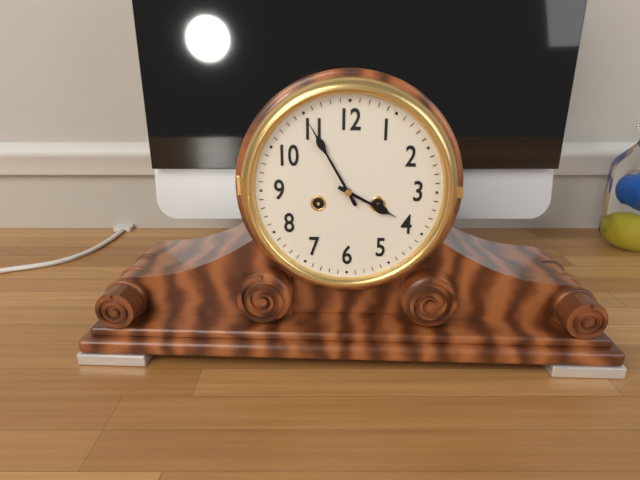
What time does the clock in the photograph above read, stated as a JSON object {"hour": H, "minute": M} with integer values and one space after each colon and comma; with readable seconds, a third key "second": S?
{"hour": 3, "minute": 55}
